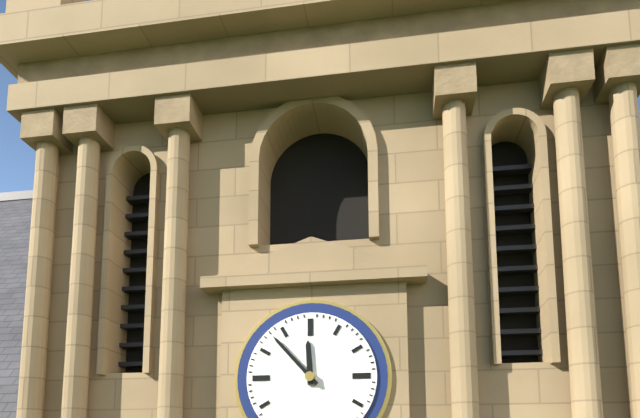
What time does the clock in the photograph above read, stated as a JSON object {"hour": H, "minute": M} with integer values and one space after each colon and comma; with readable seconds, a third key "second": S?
{"hour": 11, "minute": 53}
